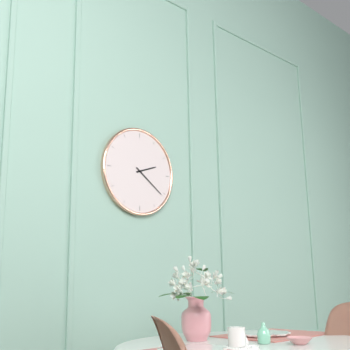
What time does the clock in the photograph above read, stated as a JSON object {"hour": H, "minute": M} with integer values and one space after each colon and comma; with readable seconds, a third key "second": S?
{"hour": 2, "minute": 21}
